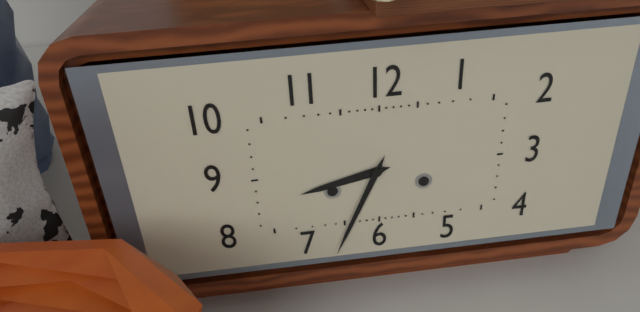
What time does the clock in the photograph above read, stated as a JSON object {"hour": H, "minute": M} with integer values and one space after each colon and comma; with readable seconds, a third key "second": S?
{"hour": 8, "minute": 34}
